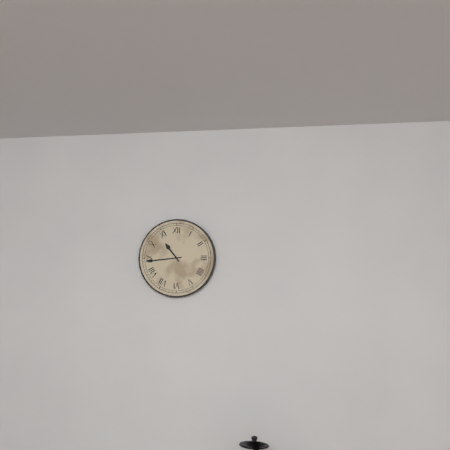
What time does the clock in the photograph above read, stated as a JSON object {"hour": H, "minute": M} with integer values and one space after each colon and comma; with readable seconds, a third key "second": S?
{"hour": 10, "minute": 44}
